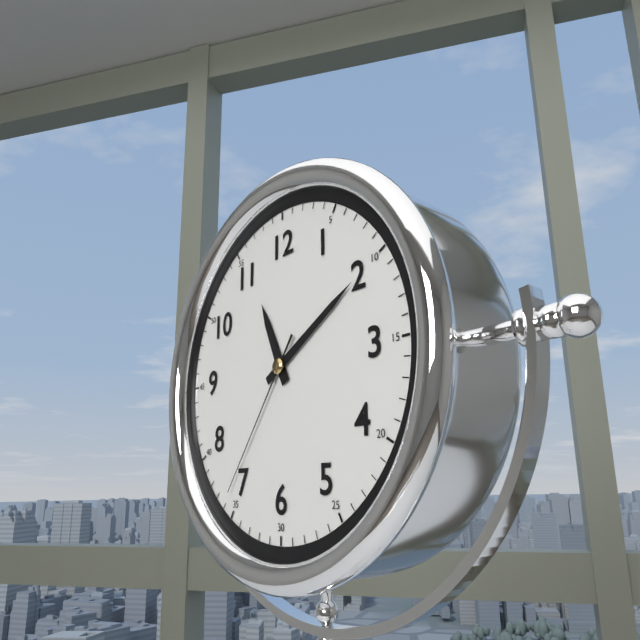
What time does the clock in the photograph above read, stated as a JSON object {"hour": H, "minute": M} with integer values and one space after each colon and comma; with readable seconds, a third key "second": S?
{"hour": 11, "minute": 10, "second": 36}
